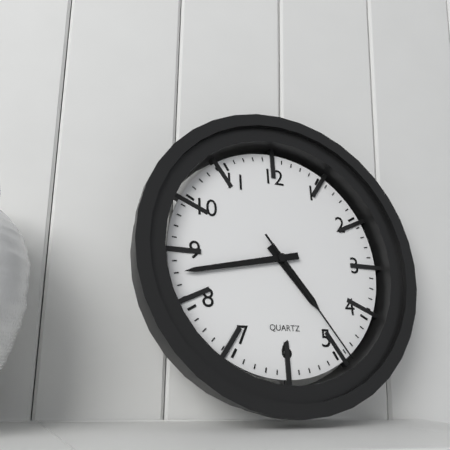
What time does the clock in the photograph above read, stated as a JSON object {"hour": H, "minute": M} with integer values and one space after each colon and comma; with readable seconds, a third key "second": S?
{"hour": 4, "minute": 43, "second": 24}
